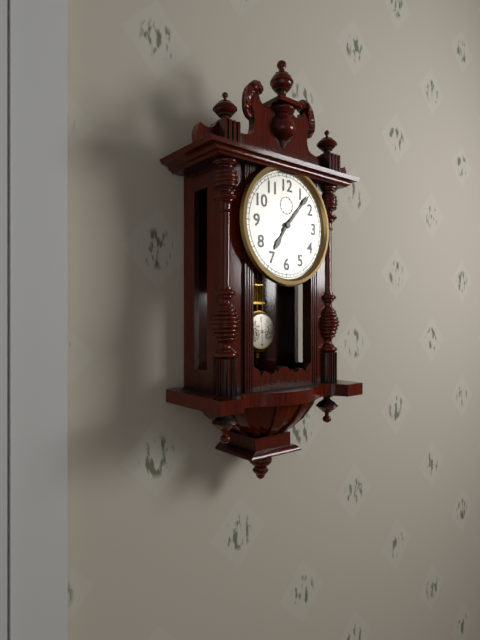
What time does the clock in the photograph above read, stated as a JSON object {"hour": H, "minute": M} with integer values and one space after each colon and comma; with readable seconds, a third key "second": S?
{"hour": 7, "minute": 7}
